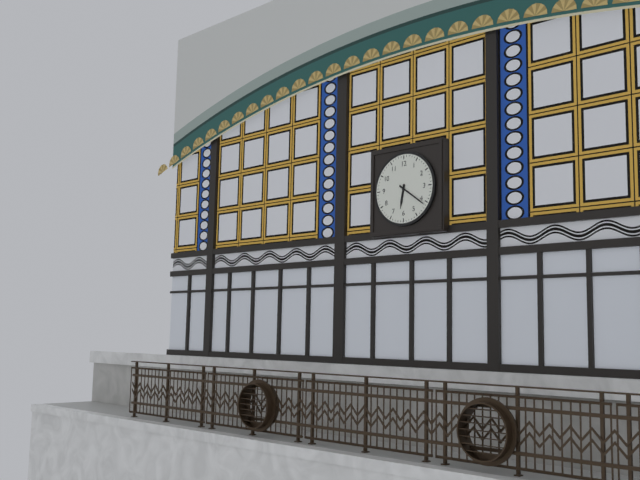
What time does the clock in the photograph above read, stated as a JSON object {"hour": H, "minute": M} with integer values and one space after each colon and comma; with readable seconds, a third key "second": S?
{"hour": 6, "minute": 21}
